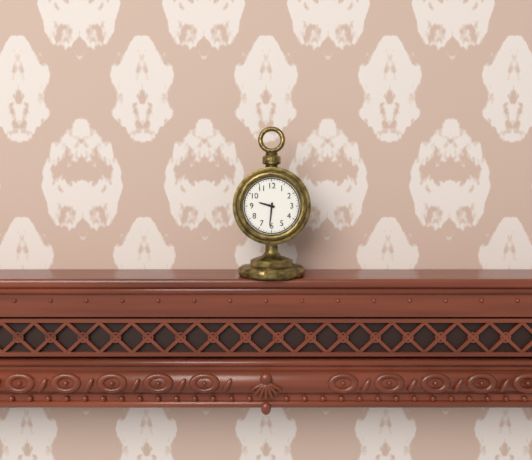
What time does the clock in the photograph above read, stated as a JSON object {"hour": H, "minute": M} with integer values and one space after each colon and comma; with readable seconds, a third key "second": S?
{"hour": 9, "minute": 31}
